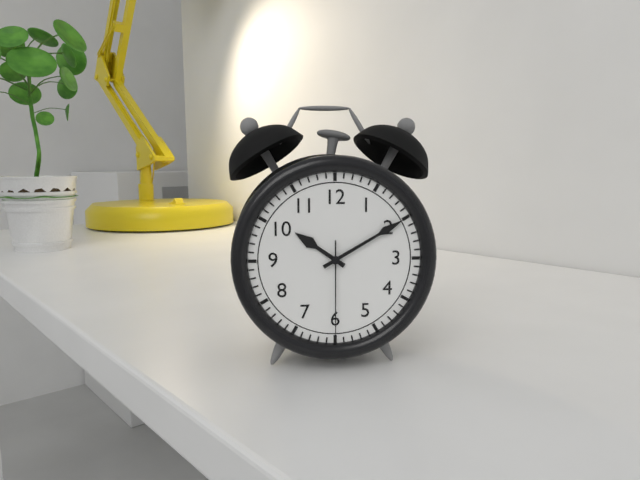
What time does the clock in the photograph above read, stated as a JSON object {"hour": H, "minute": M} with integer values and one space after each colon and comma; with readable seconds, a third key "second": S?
{"hour": 10, "minute": 10, "second": 30}
